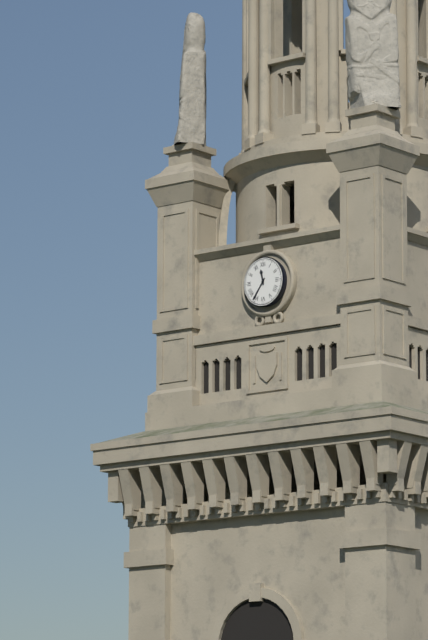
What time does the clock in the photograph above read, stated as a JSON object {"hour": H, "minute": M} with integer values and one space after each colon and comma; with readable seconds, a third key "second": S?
{"hour": 11, "minute": 36}
